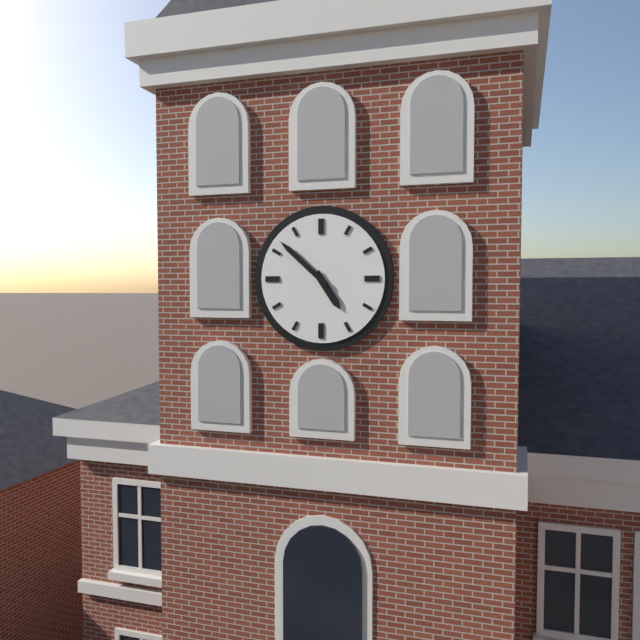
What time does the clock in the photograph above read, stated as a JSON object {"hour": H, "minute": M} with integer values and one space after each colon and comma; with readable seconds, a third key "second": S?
{"hour": 4, "minute": 52}
